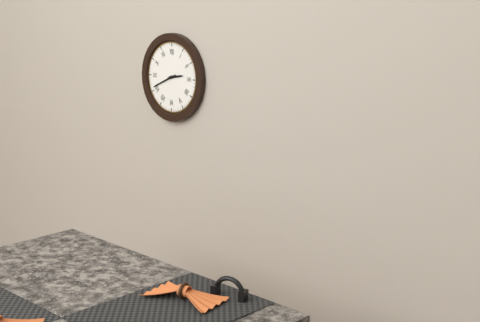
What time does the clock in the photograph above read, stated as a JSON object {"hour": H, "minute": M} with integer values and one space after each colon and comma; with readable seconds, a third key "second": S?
{"hour": 2, "minute": 41}
